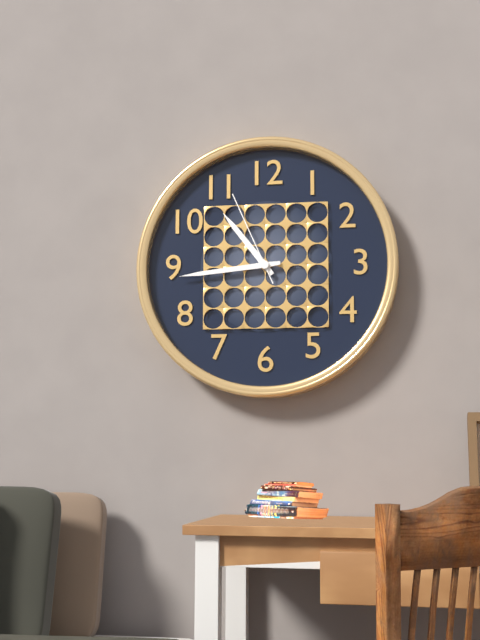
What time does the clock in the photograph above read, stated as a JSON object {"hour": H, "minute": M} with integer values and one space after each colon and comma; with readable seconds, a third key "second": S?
{"hour": 10, "minute": 44, "second": 56}
